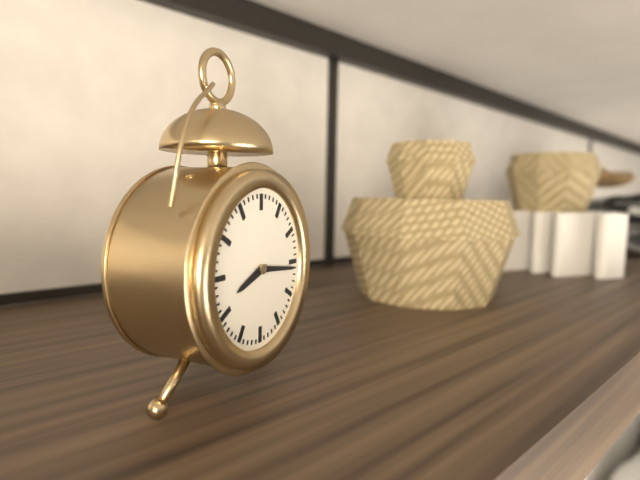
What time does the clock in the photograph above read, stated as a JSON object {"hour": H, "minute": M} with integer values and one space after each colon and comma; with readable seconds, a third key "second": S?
{"hour": 8, "minute": 16}
